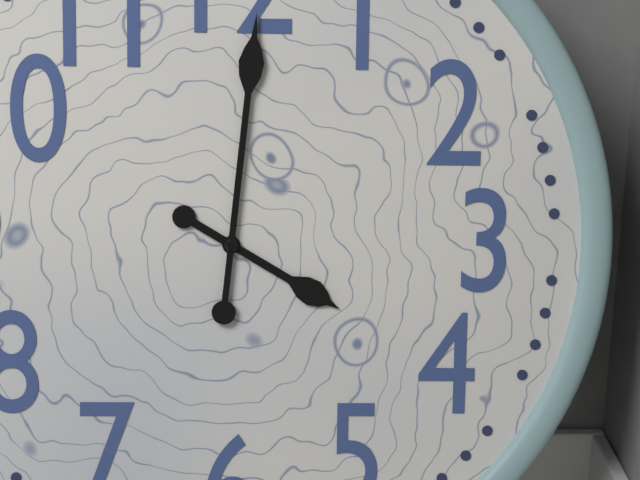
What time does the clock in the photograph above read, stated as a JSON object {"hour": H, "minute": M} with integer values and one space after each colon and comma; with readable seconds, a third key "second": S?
{"hour": 4, "minute": 1}
